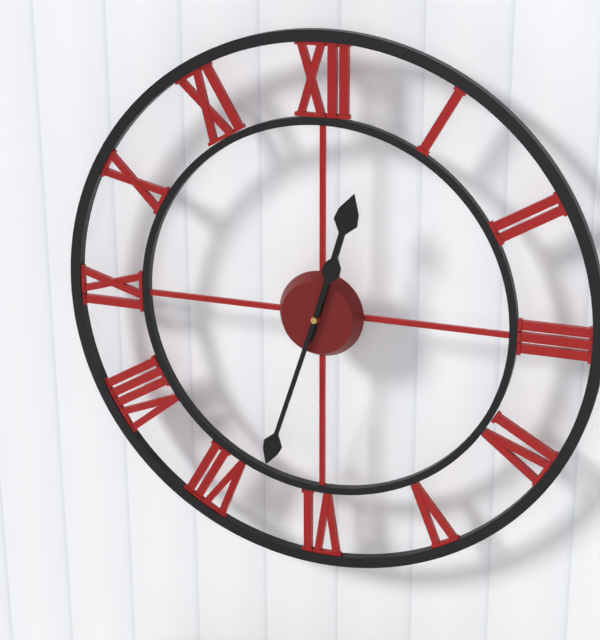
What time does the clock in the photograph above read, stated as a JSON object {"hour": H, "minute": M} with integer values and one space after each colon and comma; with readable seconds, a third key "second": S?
{"hour": 12, "minute": 33}
